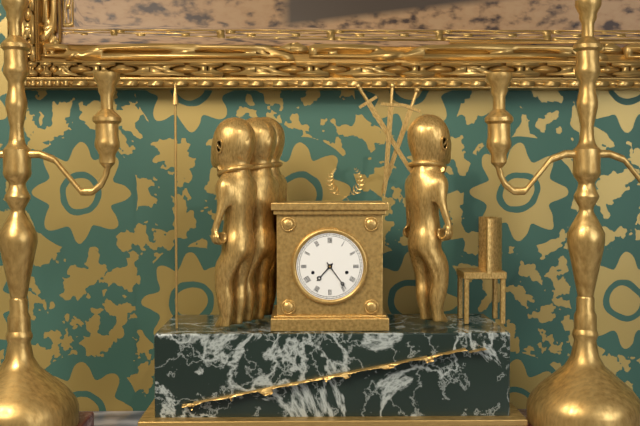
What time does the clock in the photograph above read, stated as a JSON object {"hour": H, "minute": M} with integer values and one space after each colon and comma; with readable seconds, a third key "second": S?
{"hour": 7, "minute": 24}
